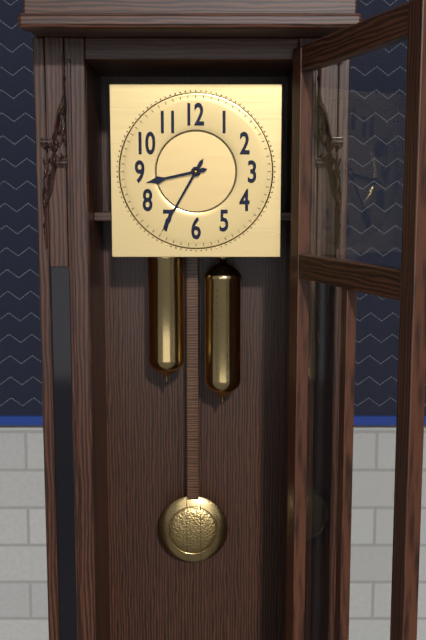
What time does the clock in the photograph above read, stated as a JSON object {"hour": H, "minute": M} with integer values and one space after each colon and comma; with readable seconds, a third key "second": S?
{"hour": 8, "minute": 35}
